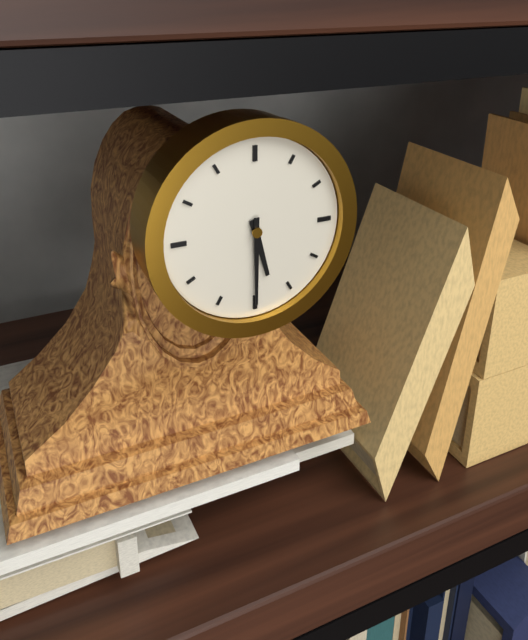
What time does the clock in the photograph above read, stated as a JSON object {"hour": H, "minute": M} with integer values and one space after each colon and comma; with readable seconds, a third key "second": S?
{"hour": 5, "minute": 30}
